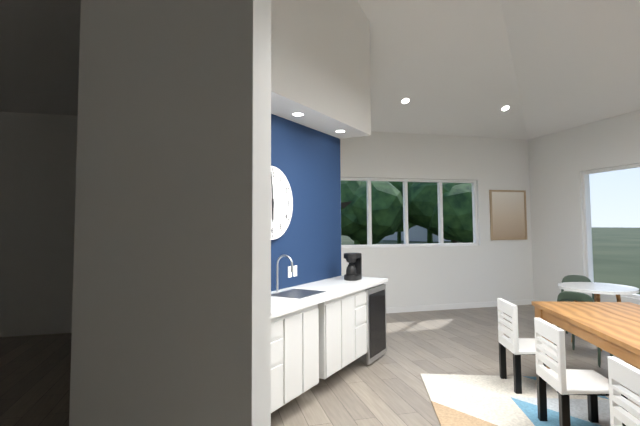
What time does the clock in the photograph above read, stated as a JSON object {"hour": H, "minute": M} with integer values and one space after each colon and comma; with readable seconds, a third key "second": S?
{"hour": 5, "minute": 59}
